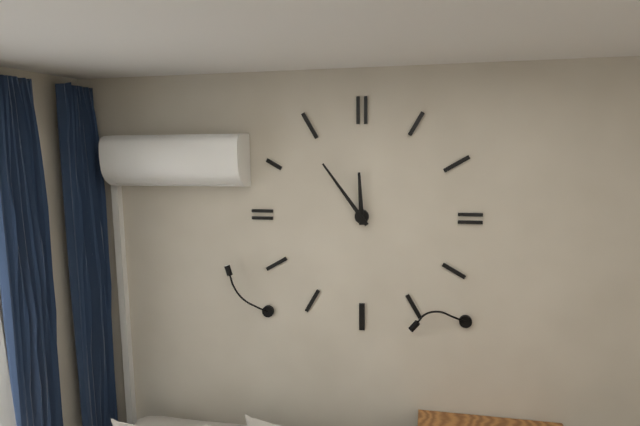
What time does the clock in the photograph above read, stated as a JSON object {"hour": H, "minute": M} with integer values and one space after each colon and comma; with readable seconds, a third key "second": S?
{"hour": 11, "minute": 54}
